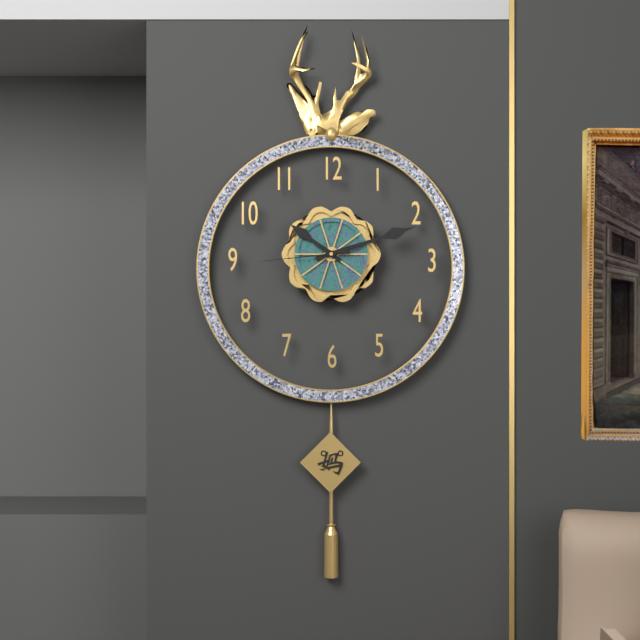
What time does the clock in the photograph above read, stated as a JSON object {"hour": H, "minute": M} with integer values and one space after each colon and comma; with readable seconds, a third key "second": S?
{"hour": 10, "minute": 12, "second": 44}
